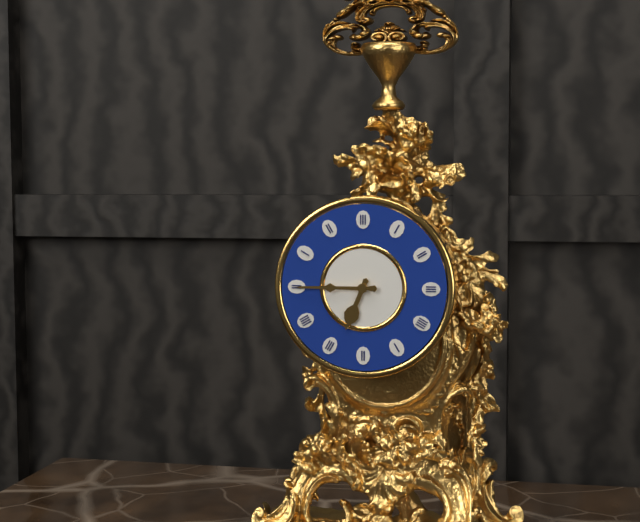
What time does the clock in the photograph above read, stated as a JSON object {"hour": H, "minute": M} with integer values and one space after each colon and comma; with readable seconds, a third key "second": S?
{"hour": 6, "minute": 45}
